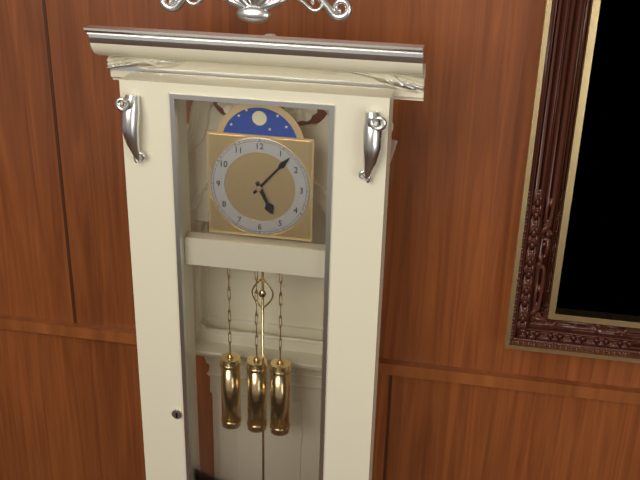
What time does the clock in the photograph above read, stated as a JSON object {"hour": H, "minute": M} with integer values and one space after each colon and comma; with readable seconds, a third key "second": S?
{"hour": 5, "minute": 7}
